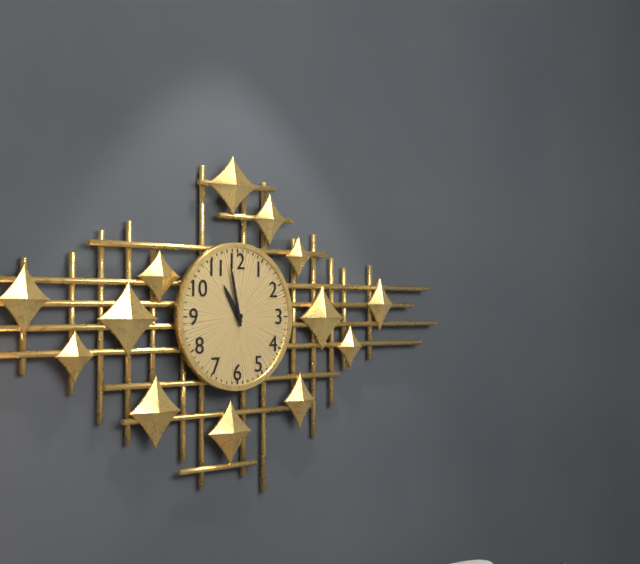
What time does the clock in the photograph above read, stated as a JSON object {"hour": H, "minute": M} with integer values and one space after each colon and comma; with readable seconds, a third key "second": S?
{"hour": 10, "minute": 58}
